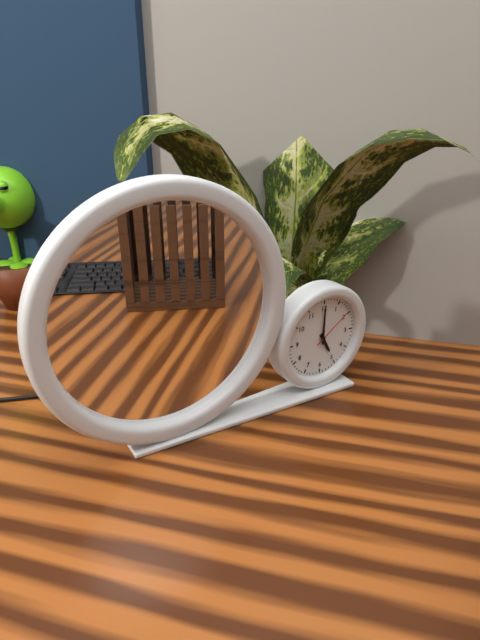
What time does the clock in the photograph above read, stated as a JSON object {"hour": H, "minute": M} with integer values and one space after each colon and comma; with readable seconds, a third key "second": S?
{"hour": 5, "minute": 0}
